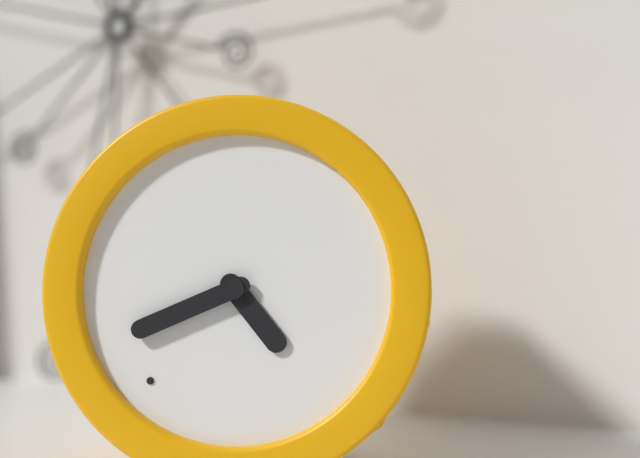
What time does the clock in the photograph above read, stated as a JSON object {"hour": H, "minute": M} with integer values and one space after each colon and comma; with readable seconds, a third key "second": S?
{"hour": 4, "minute": 41}
